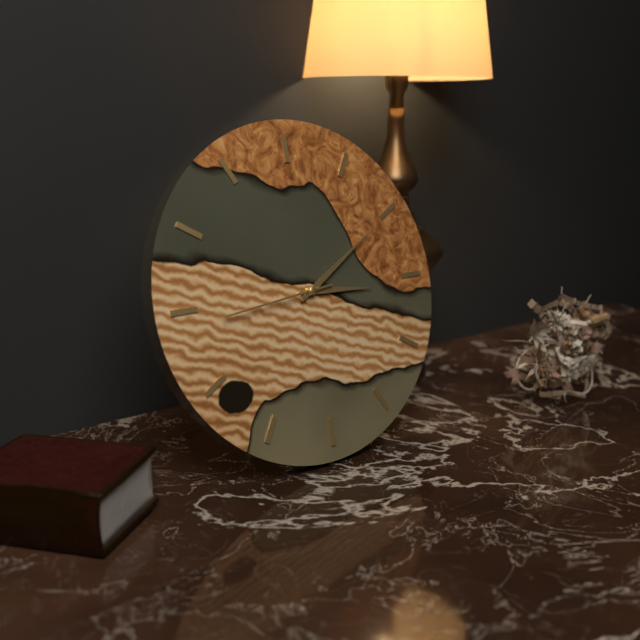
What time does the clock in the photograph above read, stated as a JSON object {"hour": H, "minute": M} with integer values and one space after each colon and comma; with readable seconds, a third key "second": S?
{"hour": 3, "minute": 10, "second": 44}
